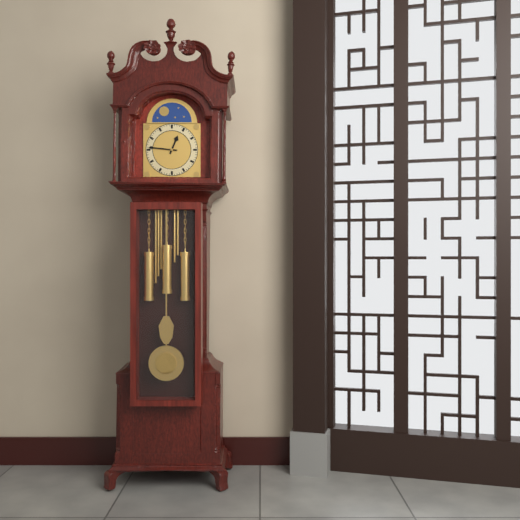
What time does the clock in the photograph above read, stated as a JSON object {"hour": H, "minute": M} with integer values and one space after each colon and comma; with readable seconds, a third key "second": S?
{"hour": 12, "minute": 46}
